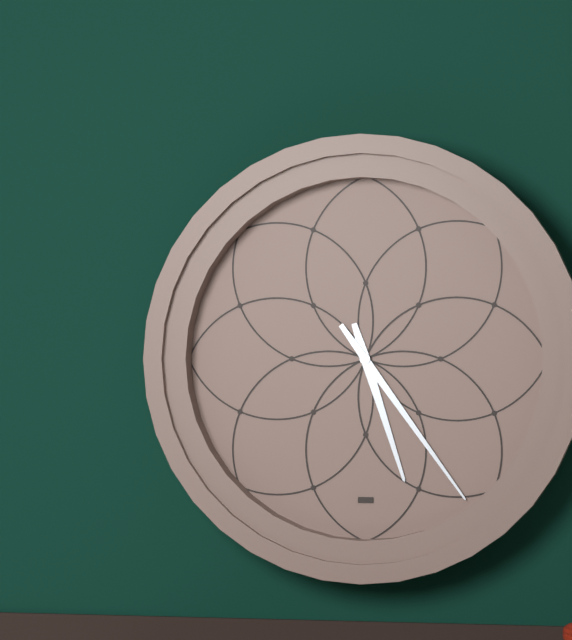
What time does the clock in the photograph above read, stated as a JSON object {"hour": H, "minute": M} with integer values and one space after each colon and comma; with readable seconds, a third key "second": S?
{"hour": 5, "minute": 24}
